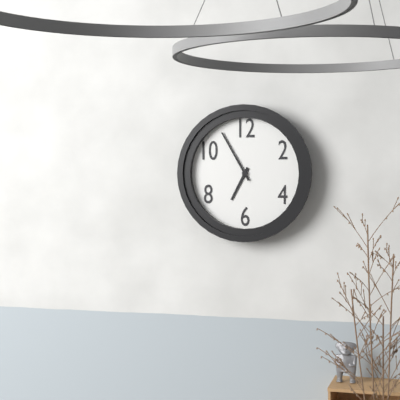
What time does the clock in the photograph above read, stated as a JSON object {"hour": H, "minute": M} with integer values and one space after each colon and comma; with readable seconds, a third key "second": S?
{"hour": 6, "minute": 55}
